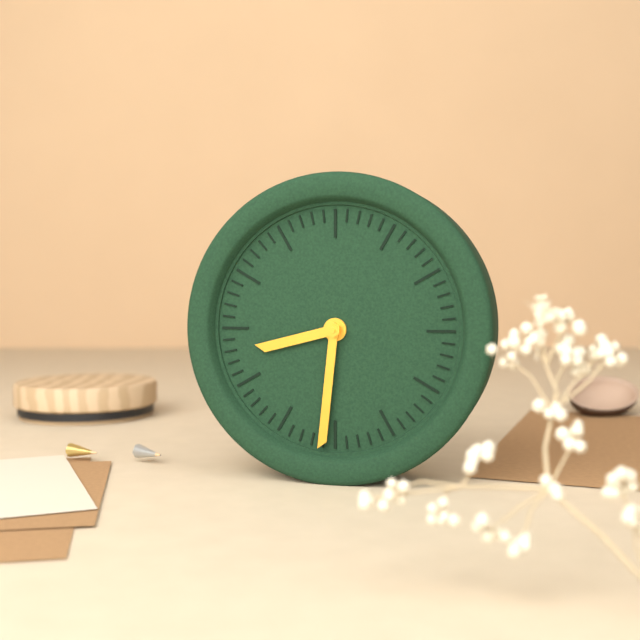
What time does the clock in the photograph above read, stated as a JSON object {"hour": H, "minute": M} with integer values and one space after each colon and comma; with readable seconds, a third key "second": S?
{"hour": 8, "minute": 31}
